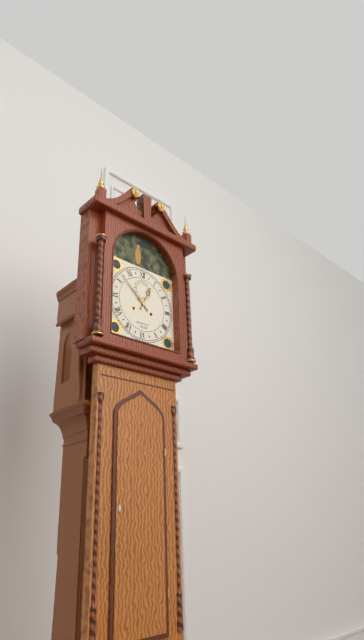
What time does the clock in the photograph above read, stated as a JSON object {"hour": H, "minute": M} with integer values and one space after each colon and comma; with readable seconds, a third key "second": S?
{"hour": 12, "minute": 52}
